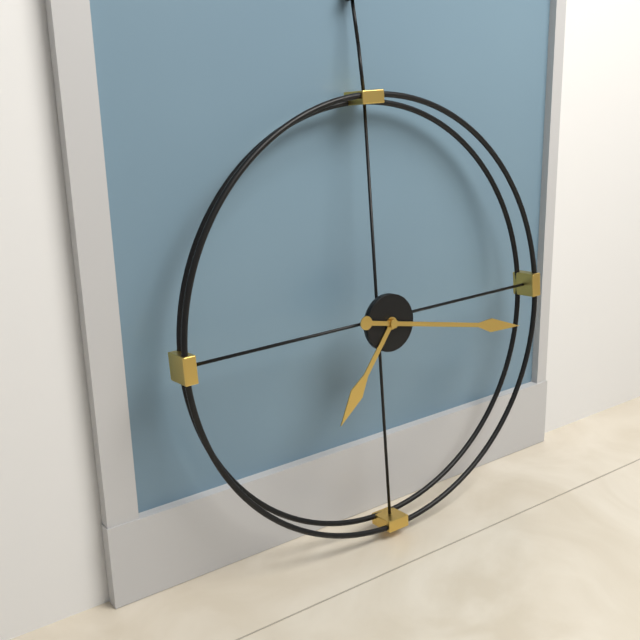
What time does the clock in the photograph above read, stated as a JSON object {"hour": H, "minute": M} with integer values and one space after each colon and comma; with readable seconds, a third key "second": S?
{"hour": 7, "minute": 17}
